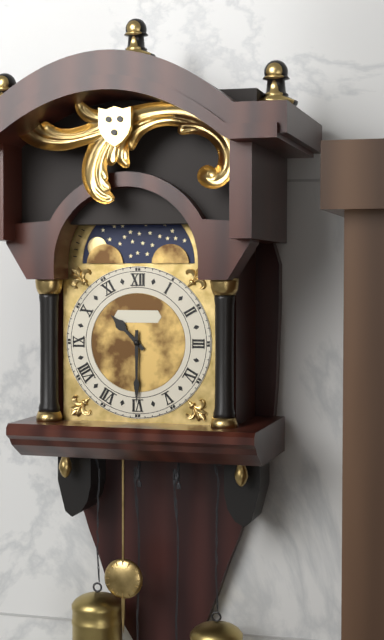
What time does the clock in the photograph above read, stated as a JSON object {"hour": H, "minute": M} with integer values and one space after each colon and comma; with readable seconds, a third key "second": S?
{"hour": 10, "minute": 30}
